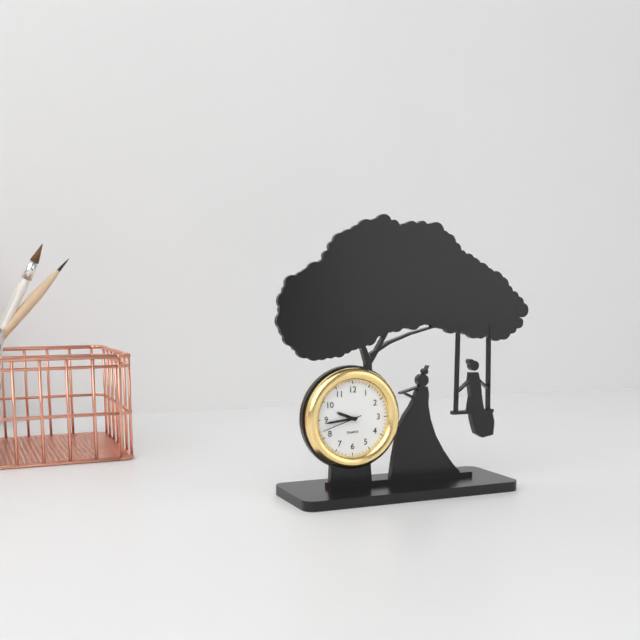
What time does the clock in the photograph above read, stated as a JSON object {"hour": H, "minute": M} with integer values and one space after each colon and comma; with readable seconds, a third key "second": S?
{"hour": 9, "minute": 44}
